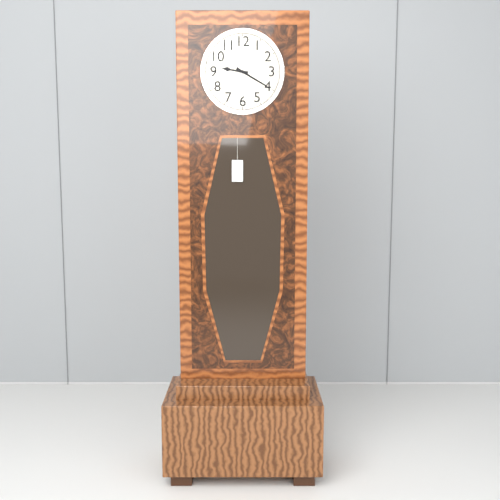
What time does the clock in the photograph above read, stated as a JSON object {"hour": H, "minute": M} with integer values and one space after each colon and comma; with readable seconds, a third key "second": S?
{"hour": 9, "minute": 20}
